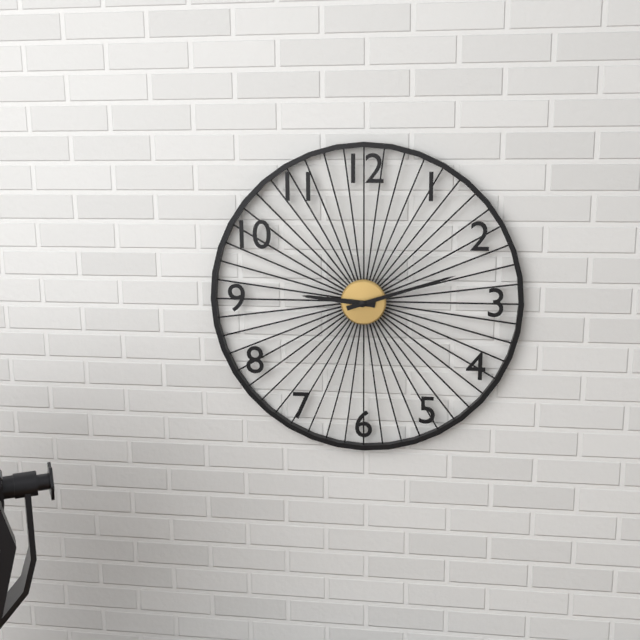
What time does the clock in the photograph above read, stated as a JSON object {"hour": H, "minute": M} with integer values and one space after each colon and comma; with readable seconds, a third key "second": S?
{"hour": 9, "minute": 12}
